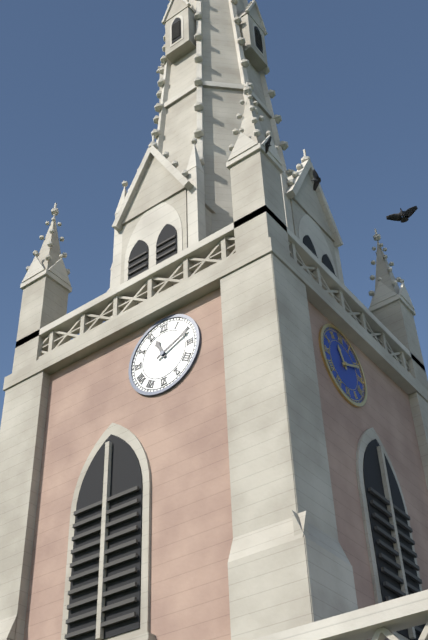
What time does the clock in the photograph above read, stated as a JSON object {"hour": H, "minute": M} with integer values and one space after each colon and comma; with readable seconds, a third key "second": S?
{"hour": 11, "minute": 11}
